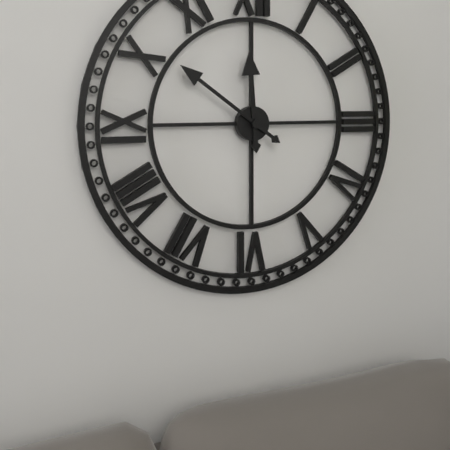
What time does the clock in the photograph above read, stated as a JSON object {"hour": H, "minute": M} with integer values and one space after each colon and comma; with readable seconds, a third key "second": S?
{"hour": 11, "minute": 51}
